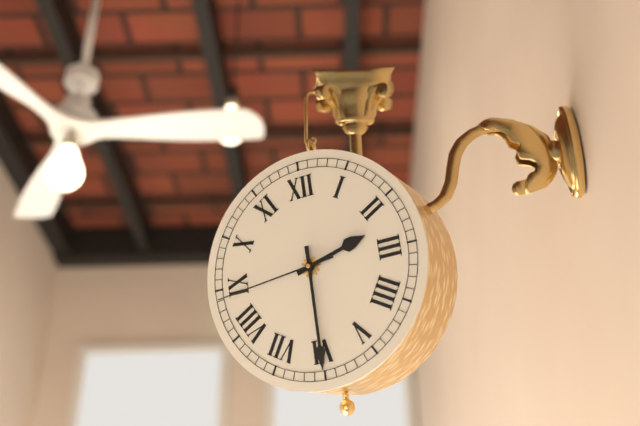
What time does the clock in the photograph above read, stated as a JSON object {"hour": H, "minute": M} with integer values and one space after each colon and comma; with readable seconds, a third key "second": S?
{"hour": 2, "minute": 30, "second": 44}
